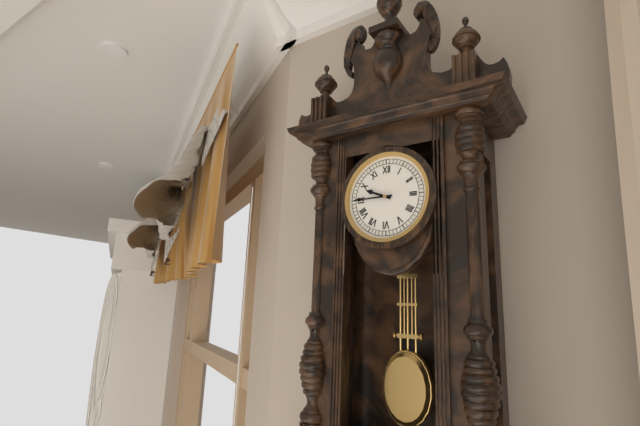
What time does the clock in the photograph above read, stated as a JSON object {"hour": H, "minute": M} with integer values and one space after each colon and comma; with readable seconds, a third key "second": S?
{"hour": 9, "minute": 45}
